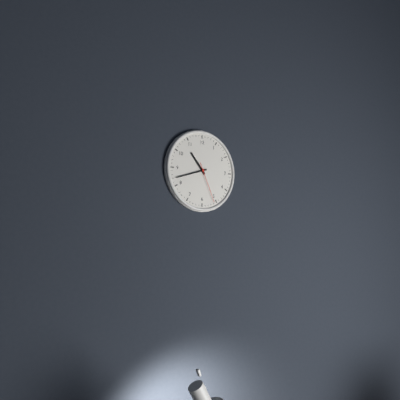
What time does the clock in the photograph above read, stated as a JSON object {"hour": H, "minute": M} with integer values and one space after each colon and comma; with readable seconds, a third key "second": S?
{"hour": 10, "minute": 42}
